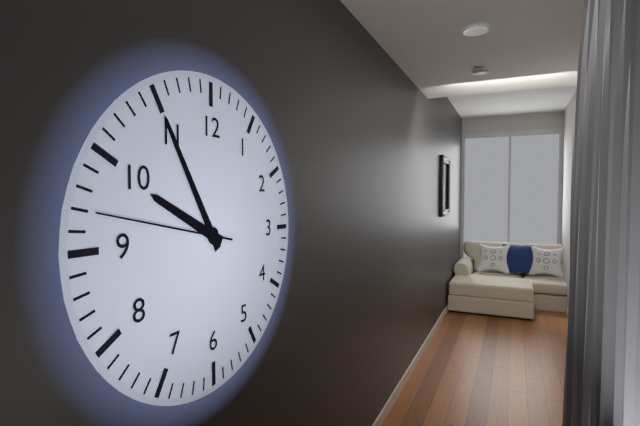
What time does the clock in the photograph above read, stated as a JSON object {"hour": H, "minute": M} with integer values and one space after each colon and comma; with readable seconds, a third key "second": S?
{"hour": 9, "minute": 55, "second": 47}
